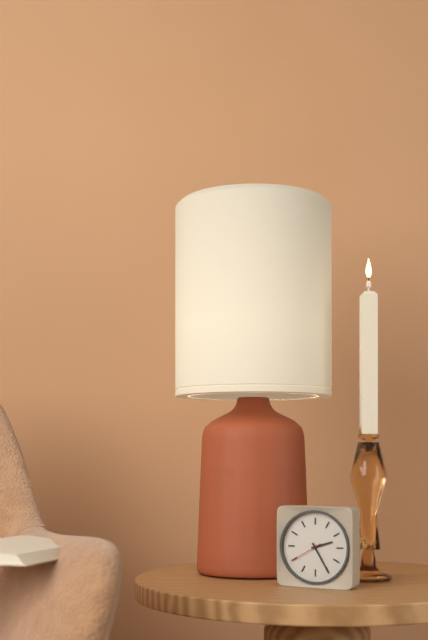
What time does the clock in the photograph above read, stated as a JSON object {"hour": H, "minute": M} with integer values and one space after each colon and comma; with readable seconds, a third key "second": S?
{"hour": 2, "minute": 25}
